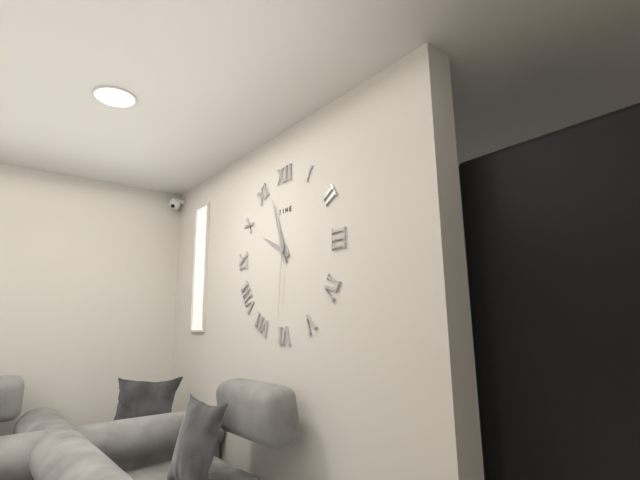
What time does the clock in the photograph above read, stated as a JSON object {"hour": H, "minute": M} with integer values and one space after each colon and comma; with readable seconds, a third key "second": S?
{"hour": 9, "minute": 57, "second": 31}
